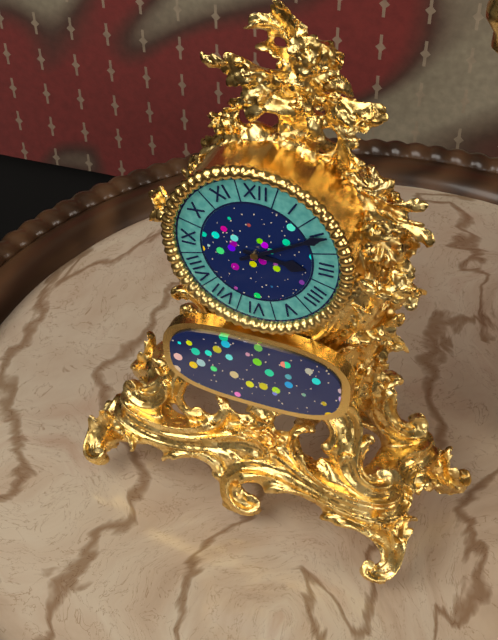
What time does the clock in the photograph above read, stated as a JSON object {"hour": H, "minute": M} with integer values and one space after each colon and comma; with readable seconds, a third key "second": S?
{"hour": 3, "minute": 10}
